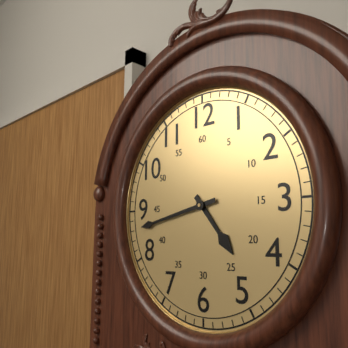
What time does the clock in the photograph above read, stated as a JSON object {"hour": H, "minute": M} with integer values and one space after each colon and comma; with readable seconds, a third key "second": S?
{"hour": 4, "minute": 43}
